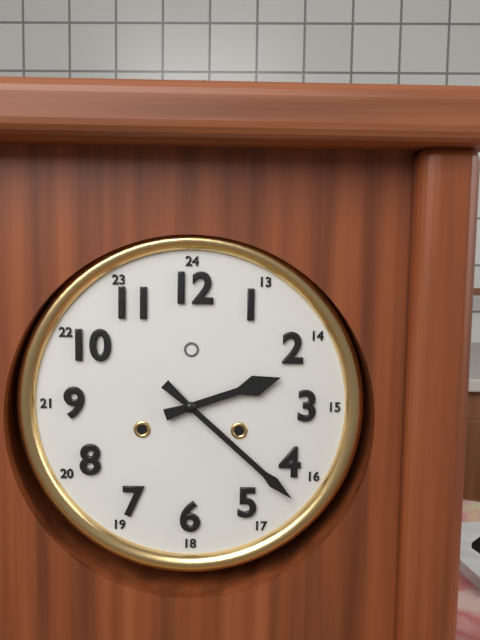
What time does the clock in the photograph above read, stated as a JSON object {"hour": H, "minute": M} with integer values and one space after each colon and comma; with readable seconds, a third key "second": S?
{"hour": 2, "minute": 22}
